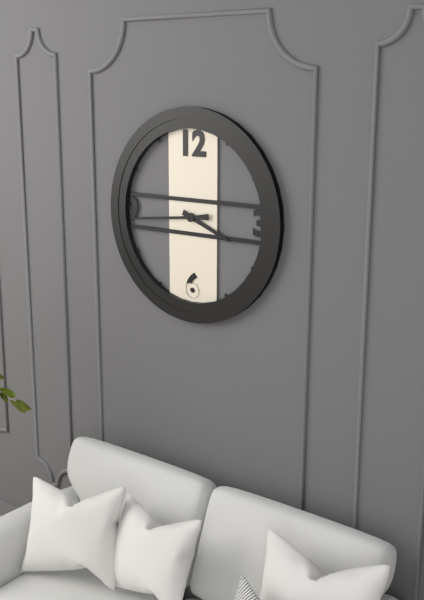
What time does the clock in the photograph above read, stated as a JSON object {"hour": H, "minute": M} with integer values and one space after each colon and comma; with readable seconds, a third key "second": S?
{"hour": 3, "minute": 44}
